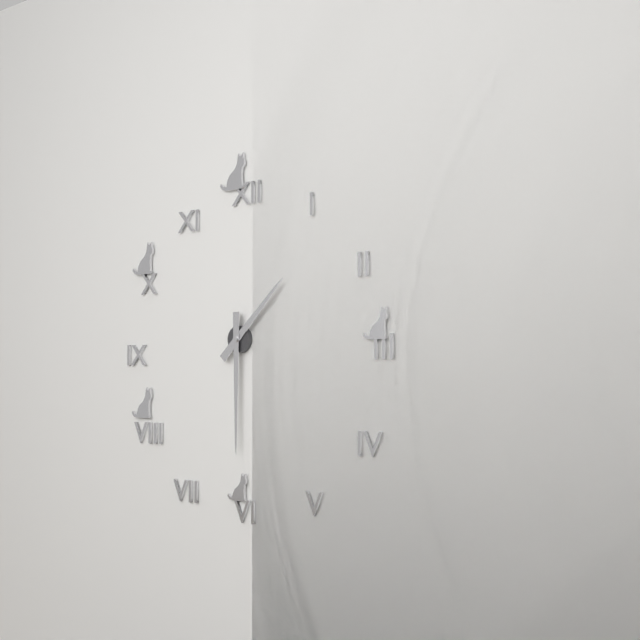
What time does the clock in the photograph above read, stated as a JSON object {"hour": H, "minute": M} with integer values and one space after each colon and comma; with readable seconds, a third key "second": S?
{"hour": 1, "minute": 30}
